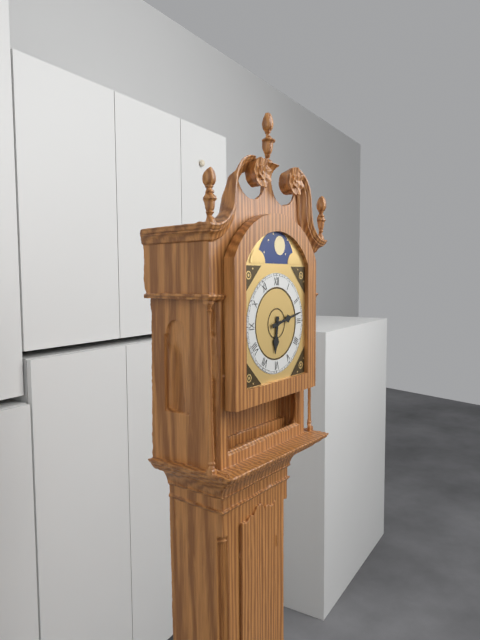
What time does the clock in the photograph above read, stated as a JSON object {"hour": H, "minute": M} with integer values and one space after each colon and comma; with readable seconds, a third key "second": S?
{"hour": 6, "minute": 13}
